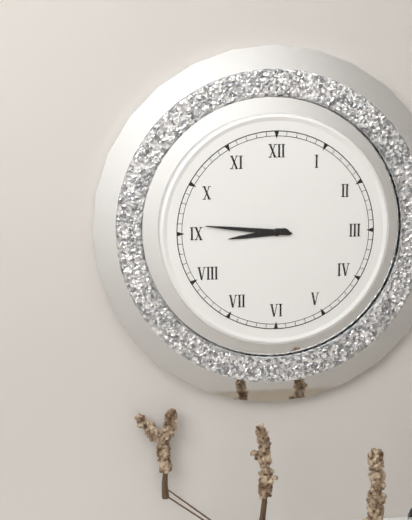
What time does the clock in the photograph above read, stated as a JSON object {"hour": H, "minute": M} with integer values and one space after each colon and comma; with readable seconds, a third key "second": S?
{"hour": 8, "minute": 46}
